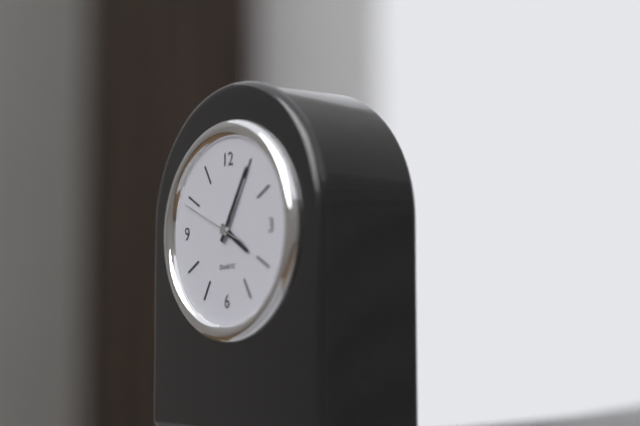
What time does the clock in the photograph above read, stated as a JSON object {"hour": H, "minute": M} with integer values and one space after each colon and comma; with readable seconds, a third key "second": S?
{"hour": 4, "minute": 5, "second": 49}
